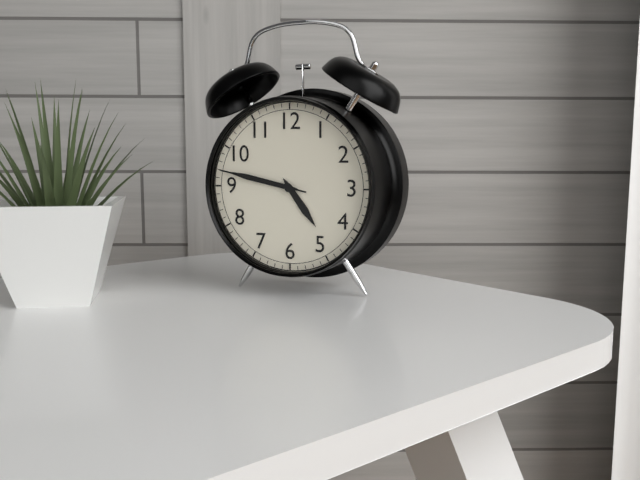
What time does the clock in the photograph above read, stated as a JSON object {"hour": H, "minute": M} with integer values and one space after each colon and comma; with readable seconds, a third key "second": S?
{"hour": 4, "minute": 47, "second": 47}
